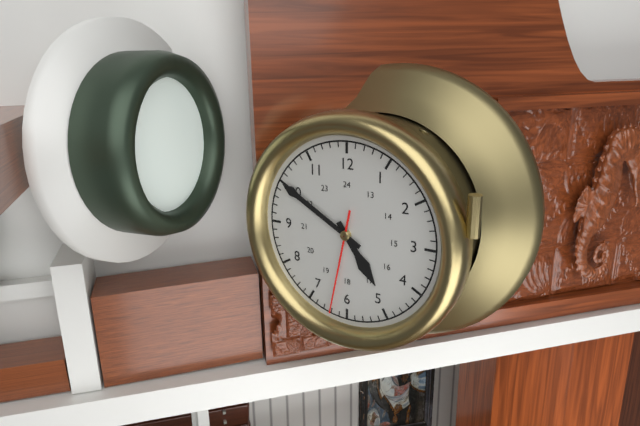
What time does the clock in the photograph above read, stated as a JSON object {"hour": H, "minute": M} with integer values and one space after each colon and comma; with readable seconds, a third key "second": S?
{"hour": 4, "minute": 50, "second": 32}
